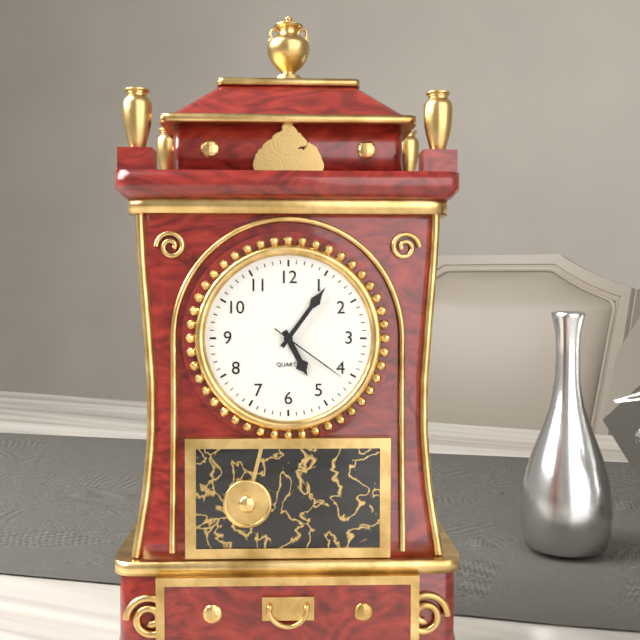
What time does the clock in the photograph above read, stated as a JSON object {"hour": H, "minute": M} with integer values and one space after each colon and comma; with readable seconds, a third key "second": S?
{"hour": 5, "minute": 6, "second": 21}
